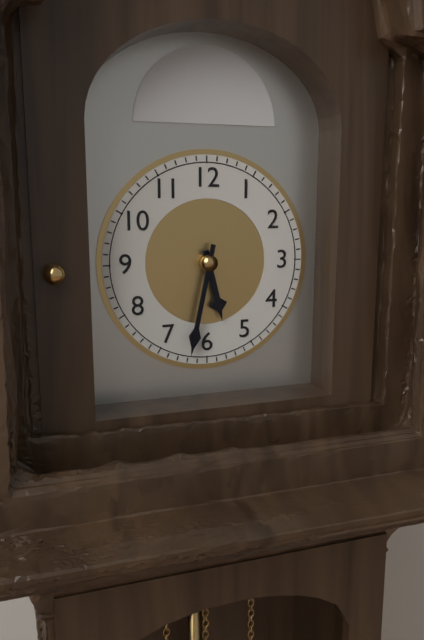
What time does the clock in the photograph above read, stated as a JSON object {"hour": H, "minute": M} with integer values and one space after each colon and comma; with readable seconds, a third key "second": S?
{"hour": 5, "minute": 32}
